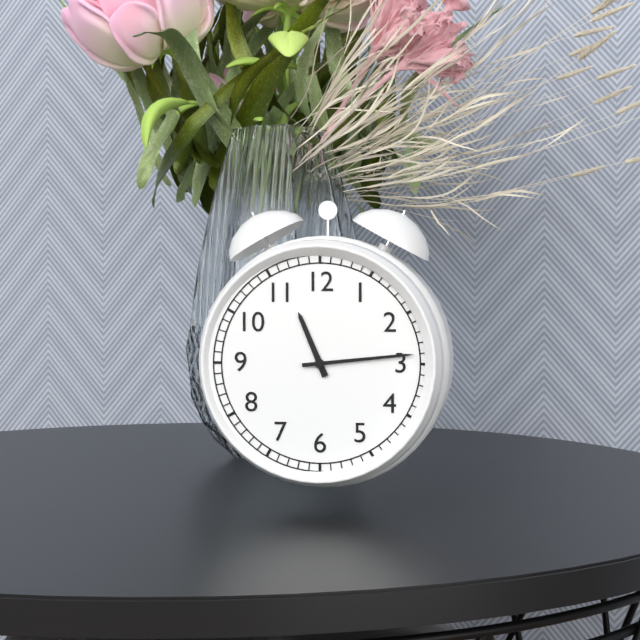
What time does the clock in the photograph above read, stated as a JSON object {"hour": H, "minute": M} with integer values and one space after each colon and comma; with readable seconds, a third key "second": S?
{"hour": 11, "minute": 14}
